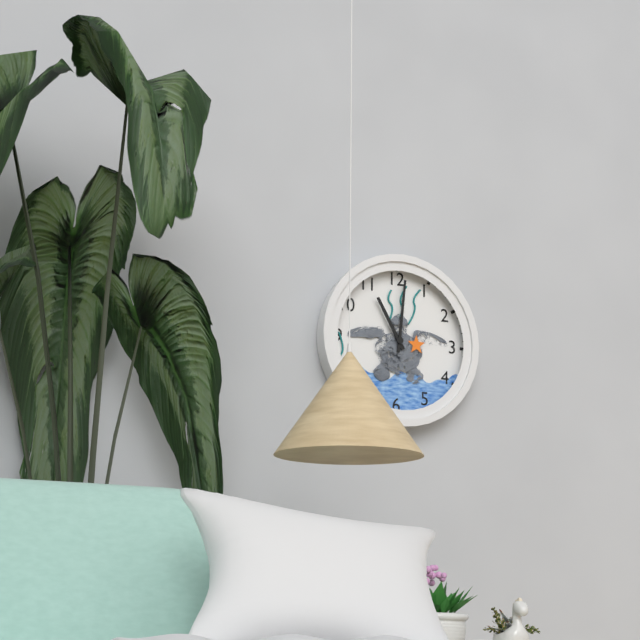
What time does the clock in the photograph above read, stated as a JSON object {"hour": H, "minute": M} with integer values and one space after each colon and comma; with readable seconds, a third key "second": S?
{"hour": 11, "minute": 1}
